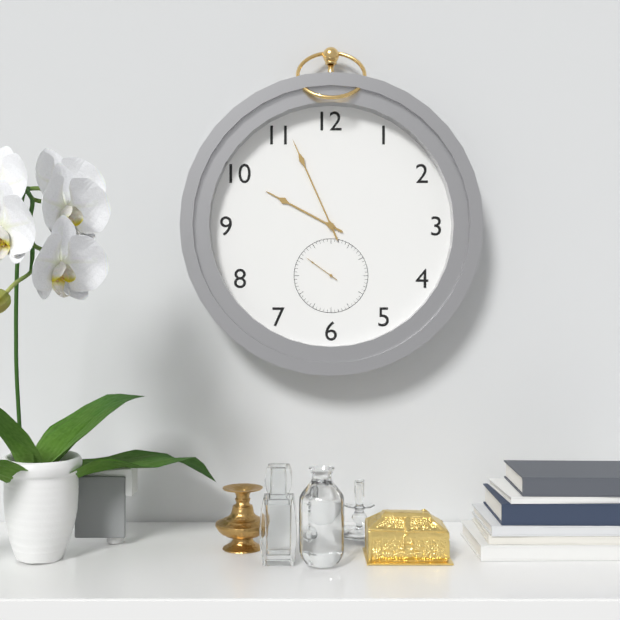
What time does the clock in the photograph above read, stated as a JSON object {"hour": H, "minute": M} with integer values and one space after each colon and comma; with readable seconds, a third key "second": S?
{"hour": 9, "minute": 56}
